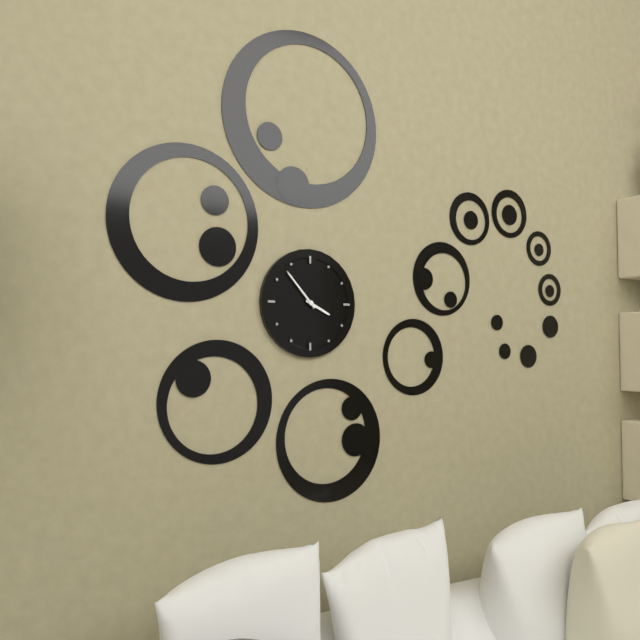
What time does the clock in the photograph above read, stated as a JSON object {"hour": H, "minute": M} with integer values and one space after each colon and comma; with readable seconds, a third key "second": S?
{"hour": 3, "minute": 53}
